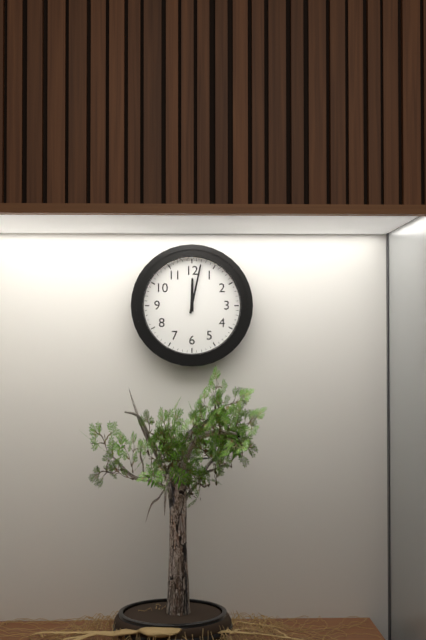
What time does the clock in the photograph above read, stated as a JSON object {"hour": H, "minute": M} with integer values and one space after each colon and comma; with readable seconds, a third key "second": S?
{"hour": 12, "minute": 2}
